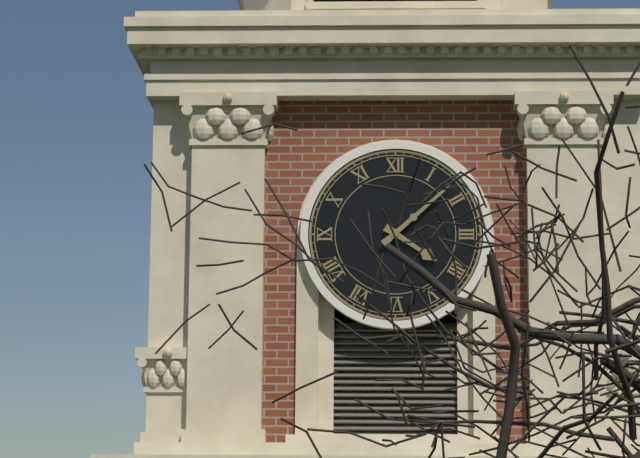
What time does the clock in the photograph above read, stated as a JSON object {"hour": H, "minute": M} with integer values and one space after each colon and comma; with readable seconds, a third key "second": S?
{"hour": 4, "minute": 8}
